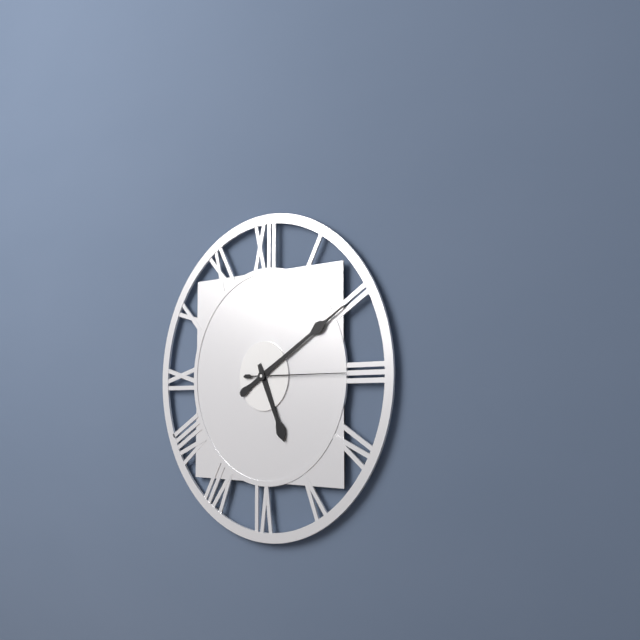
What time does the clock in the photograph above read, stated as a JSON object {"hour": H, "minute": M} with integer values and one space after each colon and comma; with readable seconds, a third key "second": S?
{"hour": 5, "minute": 10, "second": 15}
